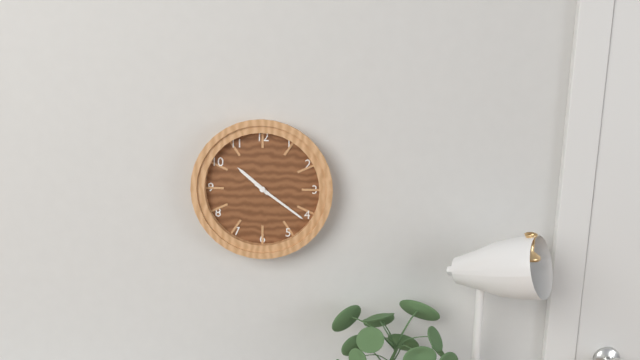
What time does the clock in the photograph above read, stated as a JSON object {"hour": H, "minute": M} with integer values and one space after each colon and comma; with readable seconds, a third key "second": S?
{"hour": 10, "minute": 21}
